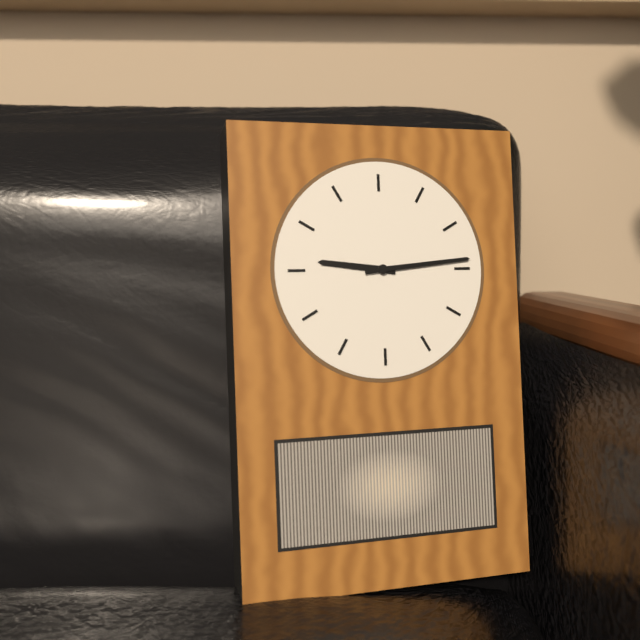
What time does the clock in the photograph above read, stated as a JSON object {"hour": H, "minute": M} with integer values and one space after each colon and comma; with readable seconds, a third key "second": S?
{"hour": 9, "minute": 14}
